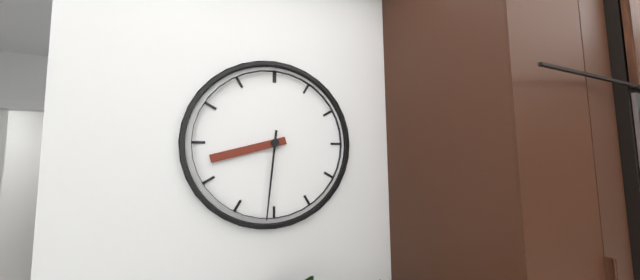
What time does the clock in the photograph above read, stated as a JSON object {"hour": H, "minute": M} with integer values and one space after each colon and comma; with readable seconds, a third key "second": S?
{"hour": 8, "minute": 31}
